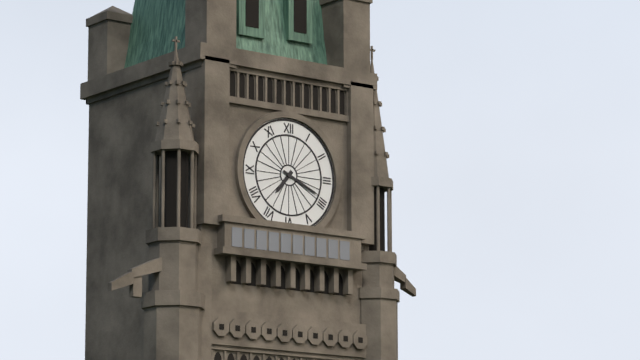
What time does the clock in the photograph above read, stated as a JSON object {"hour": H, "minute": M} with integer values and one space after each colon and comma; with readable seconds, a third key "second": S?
{"hour": 7, "minute": 19}
